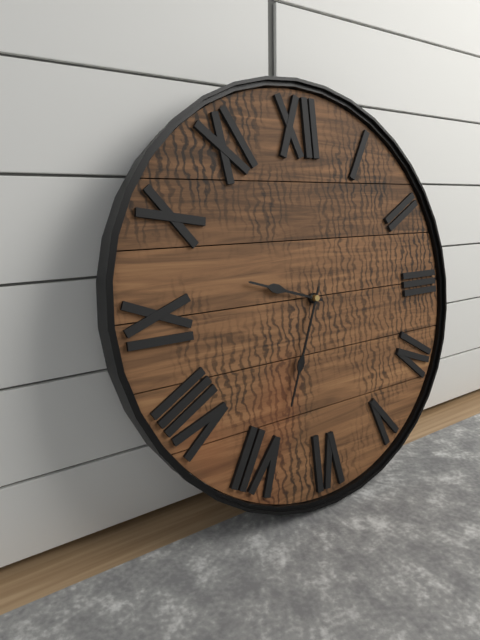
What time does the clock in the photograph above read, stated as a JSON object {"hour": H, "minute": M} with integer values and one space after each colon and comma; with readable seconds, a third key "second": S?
{"hour": 9, "minute": 34}
